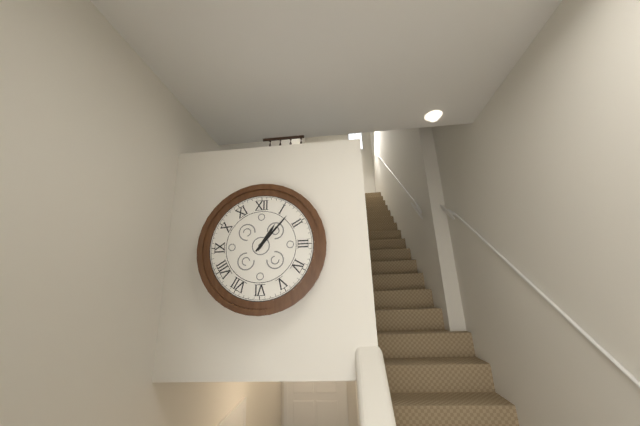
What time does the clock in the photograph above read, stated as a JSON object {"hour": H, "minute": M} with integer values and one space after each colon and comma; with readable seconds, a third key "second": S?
{"hour": 1, "minute": 7}
